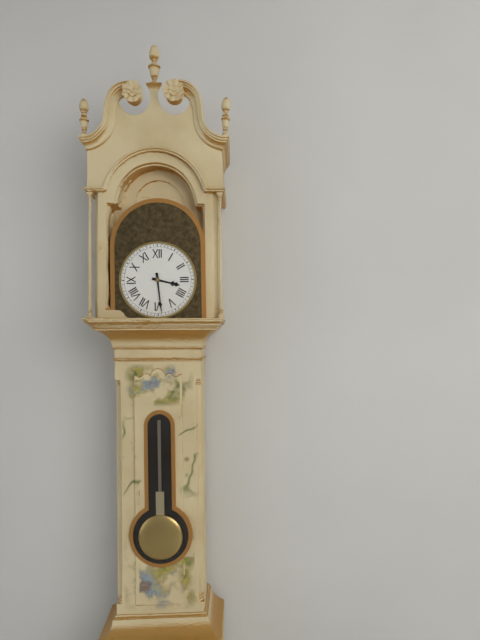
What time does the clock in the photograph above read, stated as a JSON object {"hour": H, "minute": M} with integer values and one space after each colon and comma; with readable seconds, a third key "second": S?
{"hour": 3, "minute": 29}
